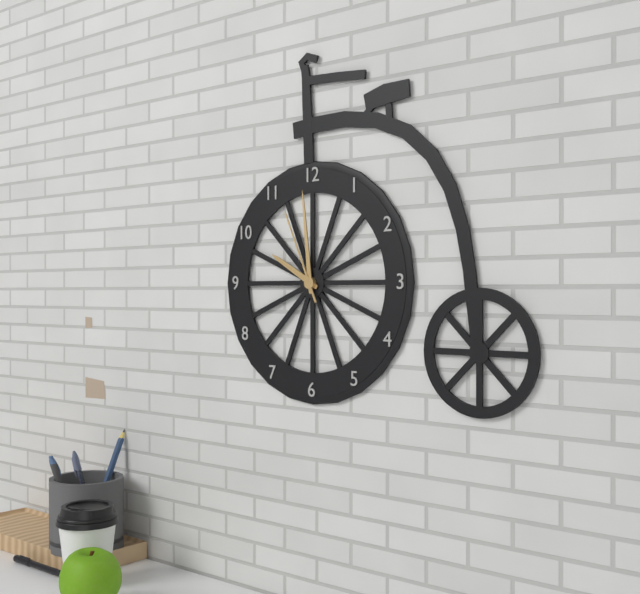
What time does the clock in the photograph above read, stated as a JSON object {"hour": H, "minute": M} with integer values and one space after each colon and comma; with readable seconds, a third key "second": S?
{"hour": 9, "minute": 59, "second": 56}
